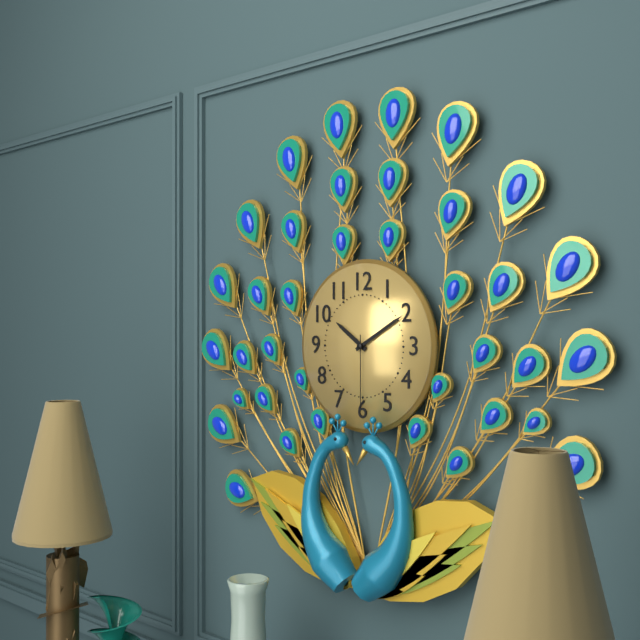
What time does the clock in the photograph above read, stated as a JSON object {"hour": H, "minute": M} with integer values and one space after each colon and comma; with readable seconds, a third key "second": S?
{"hour": 10, "minute": 10, "second": 30}
